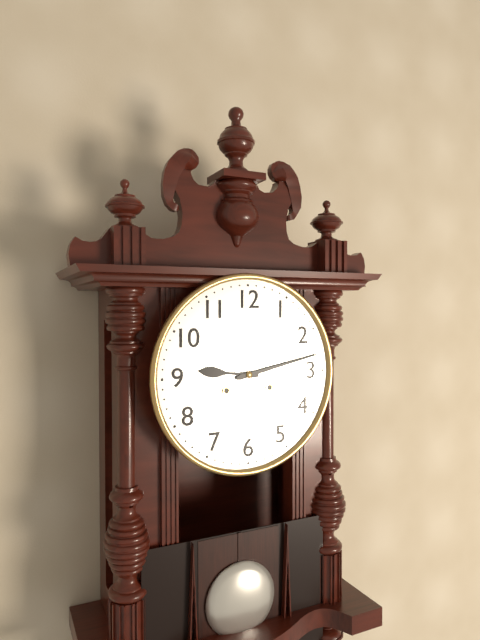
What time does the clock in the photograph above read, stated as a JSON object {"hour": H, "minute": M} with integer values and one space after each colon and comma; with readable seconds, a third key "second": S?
{"hour": 9, "minute": 13}
